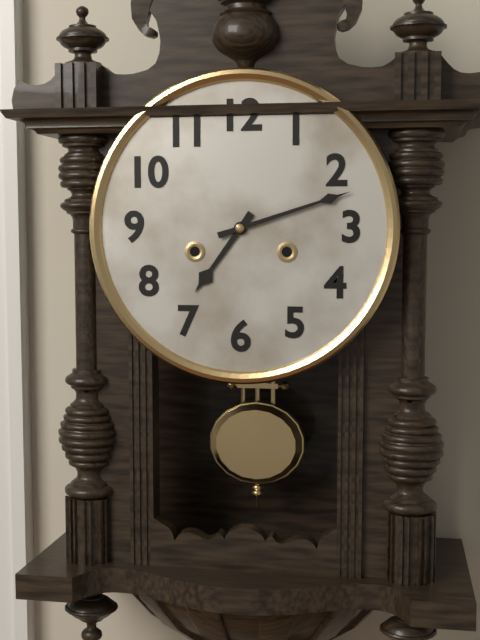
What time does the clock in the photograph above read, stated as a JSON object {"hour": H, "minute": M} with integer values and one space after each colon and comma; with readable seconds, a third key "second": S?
{"hour": 7, "minute": 12}
